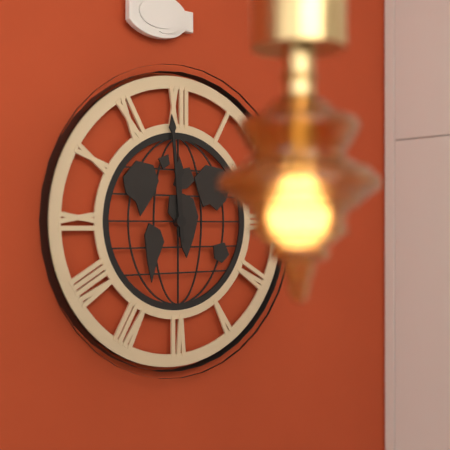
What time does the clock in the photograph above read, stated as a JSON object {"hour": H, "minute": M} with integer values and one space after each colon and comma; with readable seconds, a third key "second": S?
{"hour": 11, "minute": 59}
